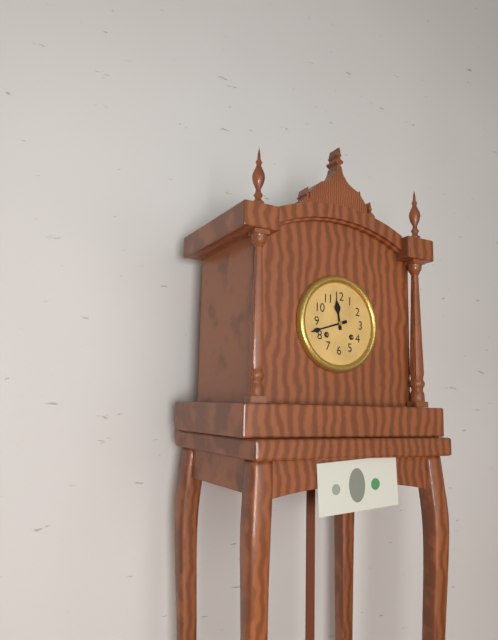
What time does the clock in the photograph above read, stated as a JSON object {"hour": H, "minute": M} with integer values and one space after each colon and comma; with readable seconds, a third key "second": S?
{"hour": 11, "minute": 42}
